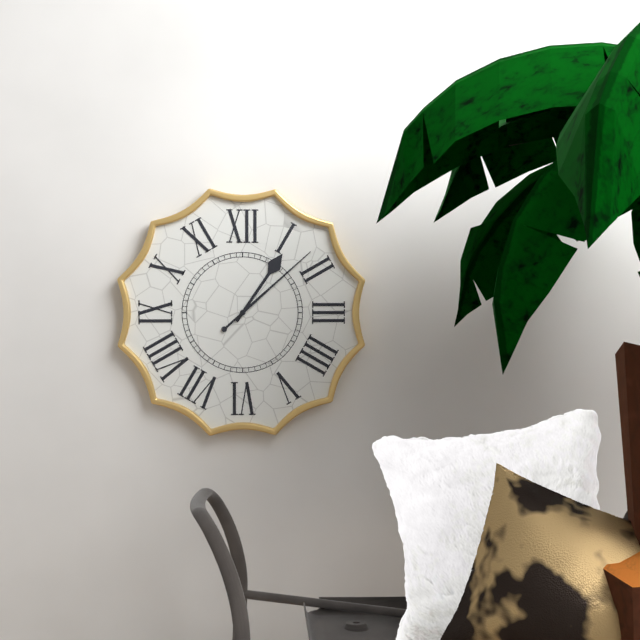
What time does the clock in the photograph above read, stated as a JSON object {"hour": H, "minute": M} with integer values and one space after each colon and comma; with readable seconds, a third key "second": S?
{"hour": 1, "minute": 8}
